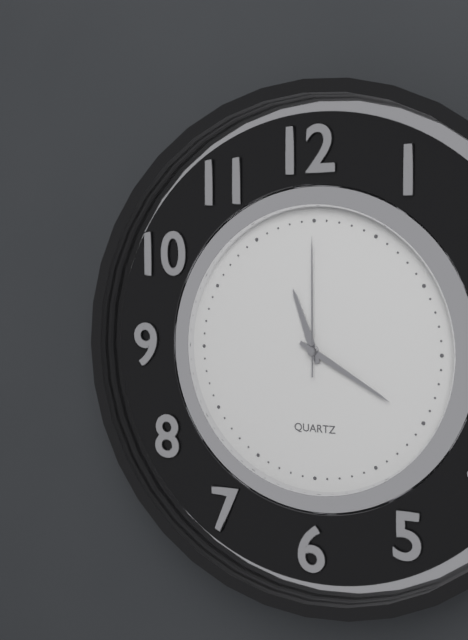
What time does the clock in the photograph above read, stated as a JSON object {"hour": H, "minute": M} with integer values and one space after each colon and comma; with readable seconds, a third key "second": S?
{"hour": 11, "minute": 20, "second": 0}
